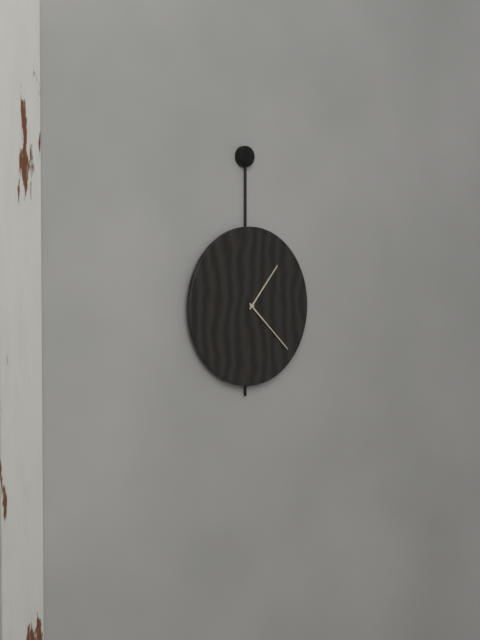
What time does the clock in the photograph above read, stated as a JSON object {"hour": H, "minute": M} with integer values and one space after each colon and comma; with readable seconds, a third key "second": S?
{"hour": 1, "minute": 22}
